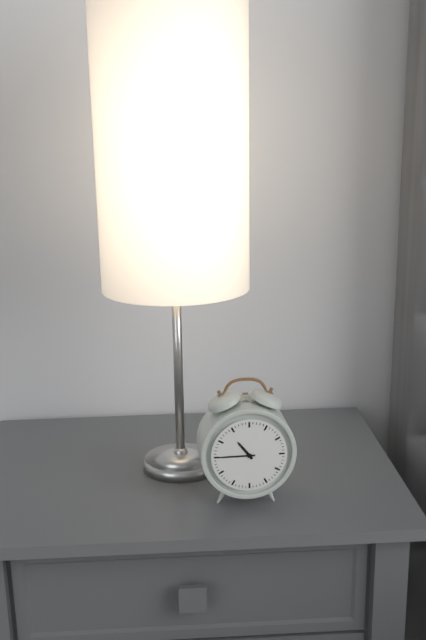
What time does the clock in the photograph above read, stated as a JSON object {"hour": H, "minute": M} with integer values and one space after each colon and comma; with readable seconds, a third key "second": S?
{"hour": 10, "minute": 45}
